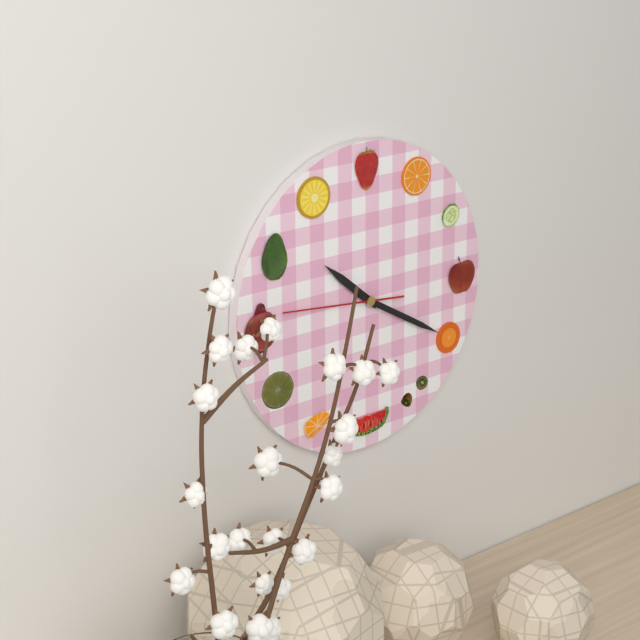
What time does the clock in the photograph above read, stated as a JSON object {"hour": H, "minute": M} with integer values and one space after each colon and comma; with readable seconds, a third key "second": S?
{"hour": 10, "minute": 20, "second": 46}
